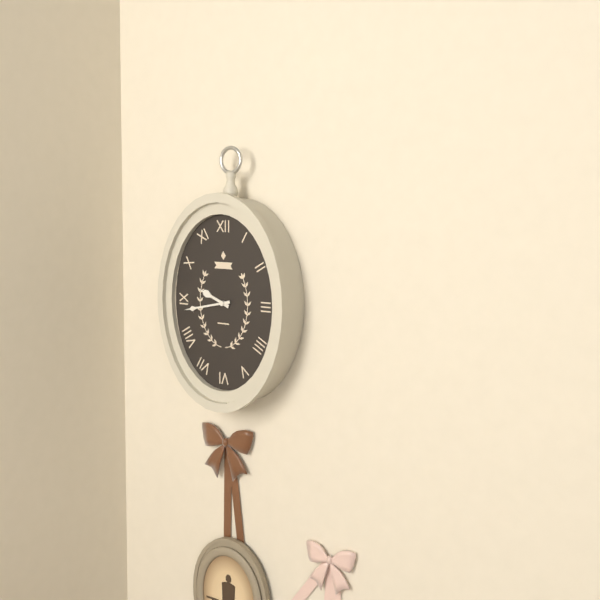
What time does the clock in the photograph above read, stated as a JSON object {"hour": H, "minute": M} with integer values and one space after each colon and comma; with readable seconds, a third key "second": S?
{"hour": 9, "minute": 43}
